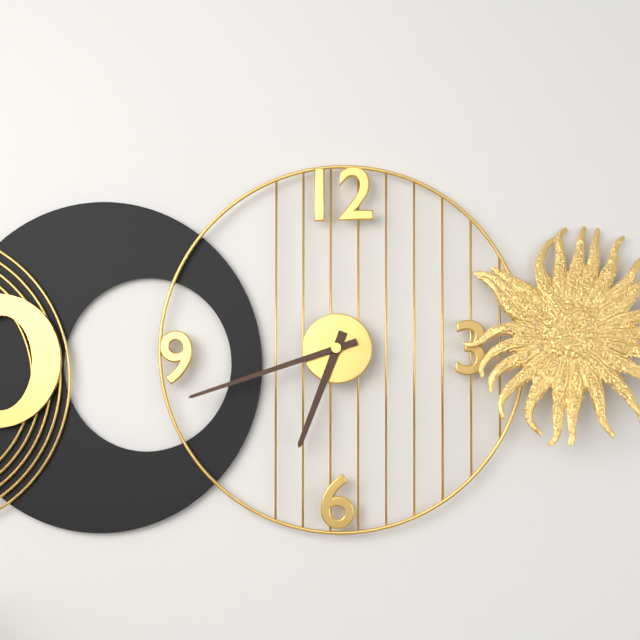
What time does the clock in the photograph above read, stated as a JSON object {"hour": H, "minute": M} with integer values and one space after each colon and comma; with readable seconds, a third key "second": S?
{"hour": 6, "minute": 42}
